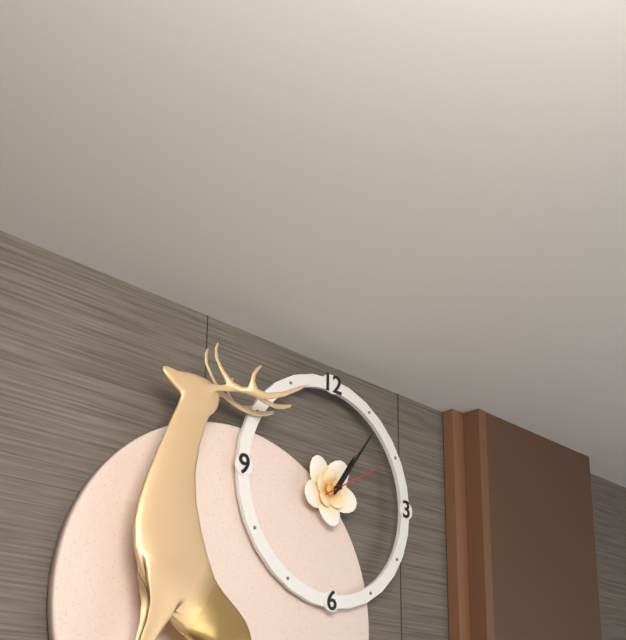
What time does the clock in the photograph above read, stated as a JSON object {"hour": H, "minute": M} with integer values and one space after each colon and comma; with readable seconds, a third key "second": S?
{"hour": 1, "minute": 6, "second": 10}
